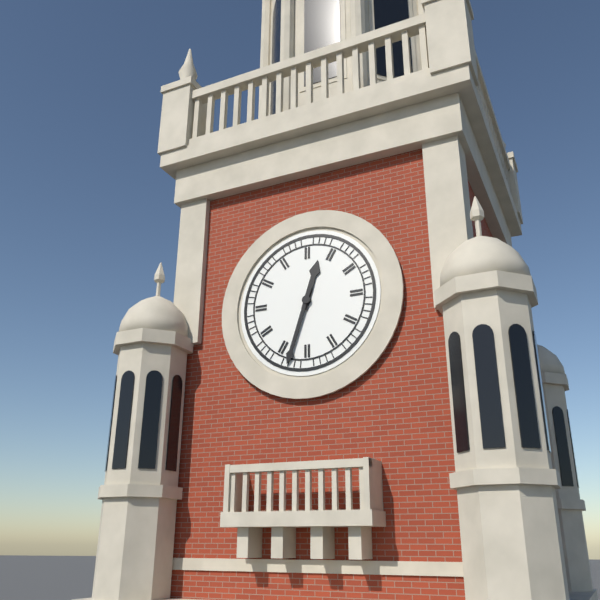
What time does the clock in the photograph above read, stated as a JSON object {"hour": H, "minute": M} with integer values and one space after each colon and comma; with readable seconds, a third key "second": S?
{"hour": 12, "minute": 33}
